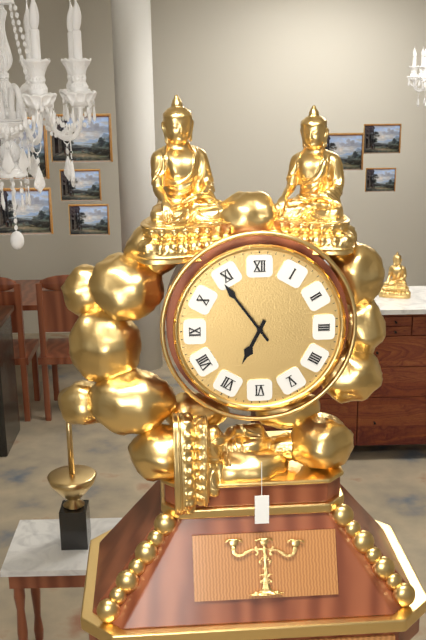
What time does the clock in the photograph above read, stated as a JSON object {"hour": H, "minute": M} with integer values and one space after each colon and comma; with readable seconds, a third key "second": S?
{"hour": 6, "minute": 54}
